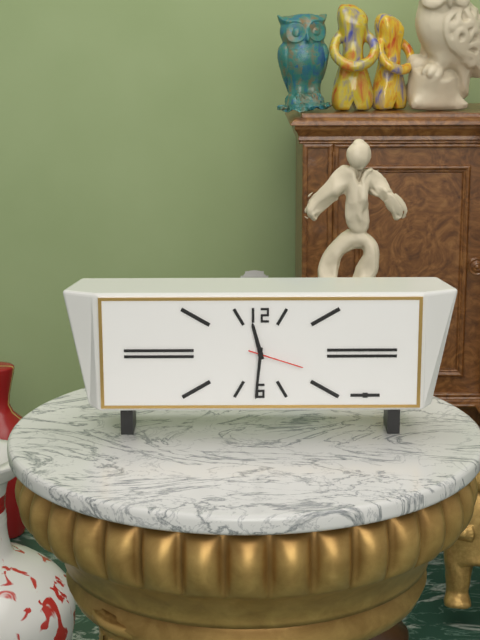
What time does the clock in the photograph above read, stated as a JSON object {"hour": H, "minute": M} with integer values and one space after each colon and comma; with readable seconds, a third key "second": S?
{"hour": 11, "minute": 31, "second": 18}
